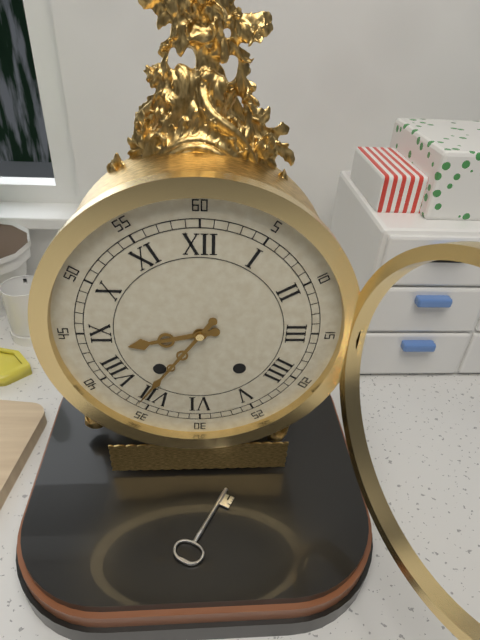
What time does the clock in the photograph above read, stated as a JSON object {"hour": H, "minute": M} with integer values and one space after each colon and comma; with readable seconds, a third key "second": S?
{"hour": 8, "minute": 36}
